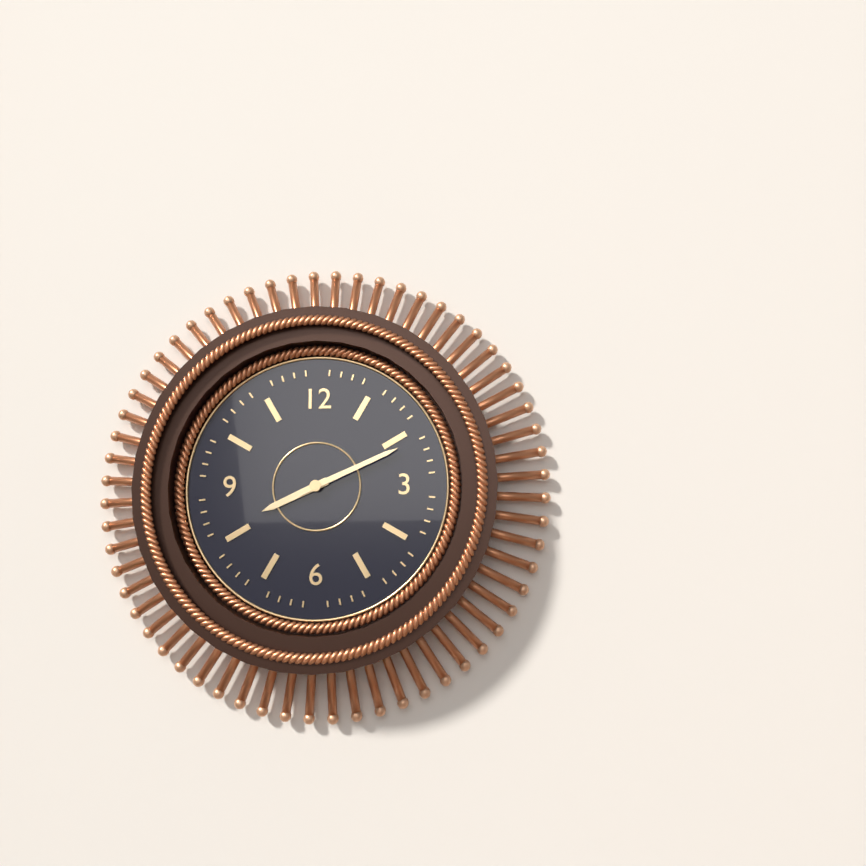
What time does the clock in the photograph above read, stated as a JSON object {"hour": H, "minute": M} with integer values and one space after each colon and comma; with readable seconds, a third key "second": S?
{"hour": 8, "minute": 11}
